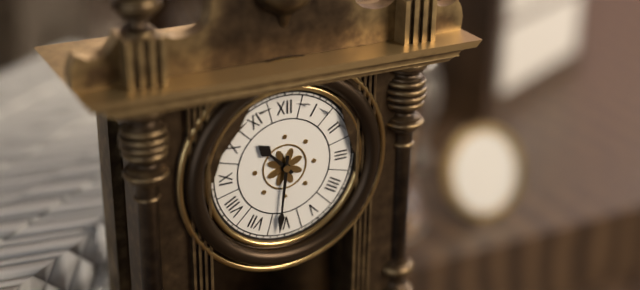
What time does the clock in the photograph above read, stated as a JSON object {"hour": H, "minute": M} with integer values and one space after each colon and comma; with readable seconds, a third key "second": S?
{"hour": 10, "minute": 31}
